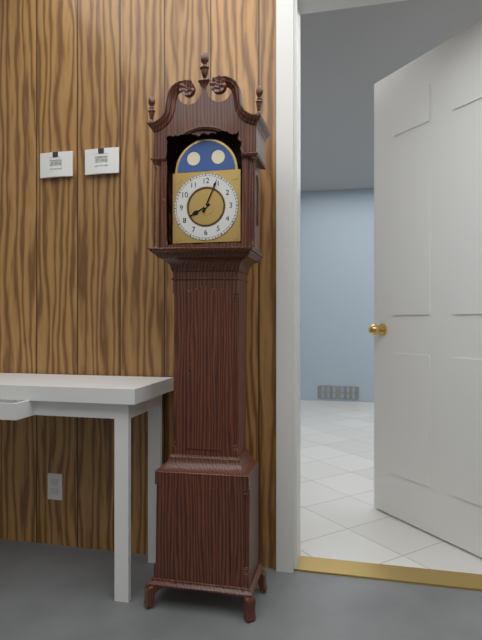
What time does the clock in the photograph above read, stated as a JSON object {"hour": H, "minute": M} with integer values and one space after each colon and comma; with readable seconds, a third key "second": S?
{"hour": 8, "minute": 4}
